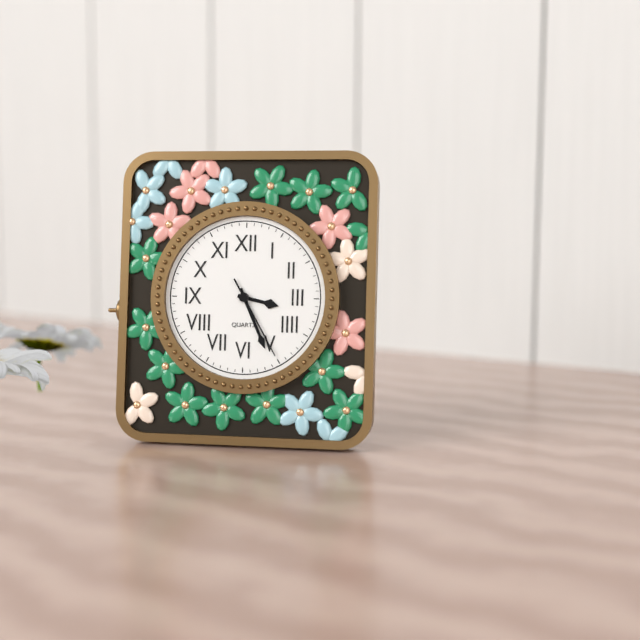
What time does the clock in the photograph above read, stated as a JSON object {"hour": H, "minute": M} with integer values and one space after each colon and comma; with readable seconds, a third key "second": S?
{"hour": 3, "minute": 26, "second": 25}
